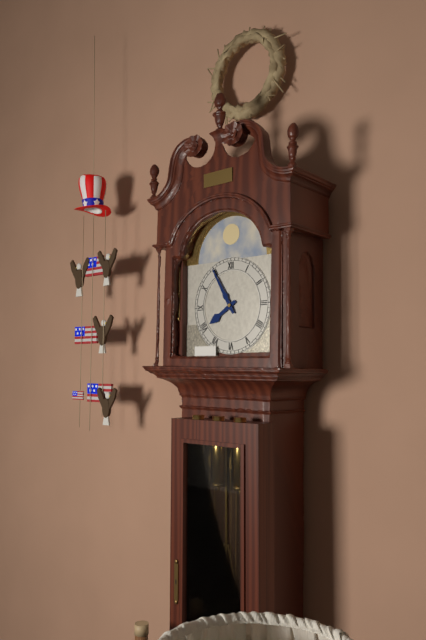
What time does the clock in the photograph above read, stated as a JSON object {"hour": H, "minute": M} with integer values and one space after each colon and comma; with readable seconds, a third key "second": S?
{"hour": 7, "minute": 55}
